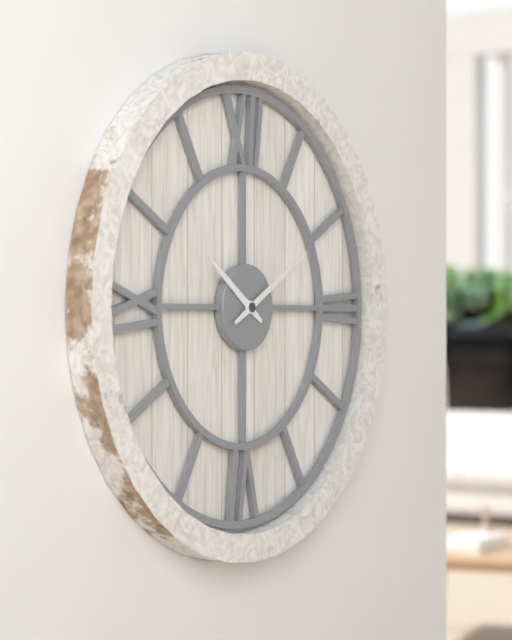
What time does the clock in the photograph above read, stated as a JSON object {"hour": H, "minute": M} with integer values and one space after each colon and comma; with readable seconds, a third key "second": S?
{"hour": 10, "minute": 10}
